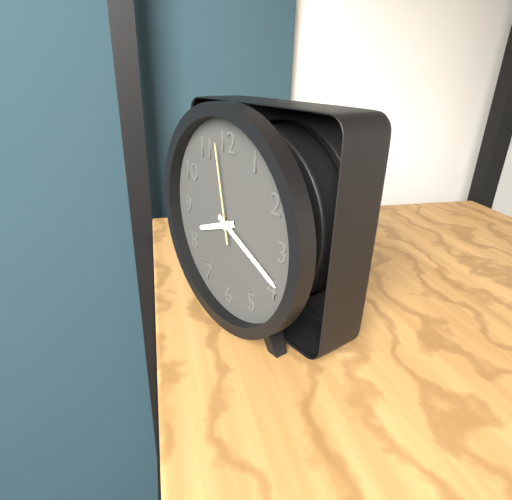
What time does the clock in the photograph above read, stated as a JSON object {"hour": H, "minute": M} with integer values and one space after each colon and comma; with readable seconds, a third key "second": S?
{"hour": 8, "minute": 19, "second": 58}
